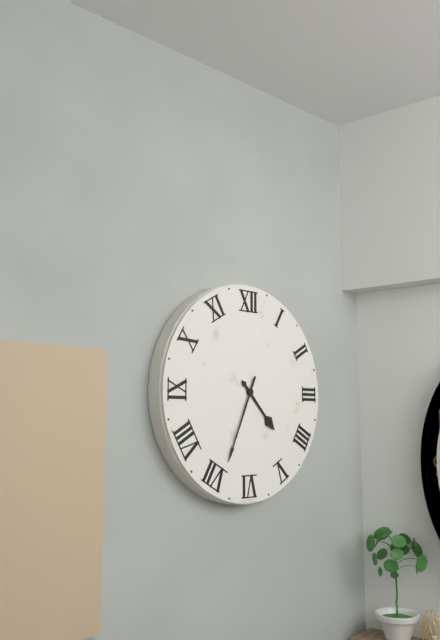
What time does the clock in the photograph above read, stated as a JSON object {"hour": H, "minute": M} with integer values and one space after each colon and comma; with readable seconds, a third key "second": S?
{"hour": 4, "minute": 34}
